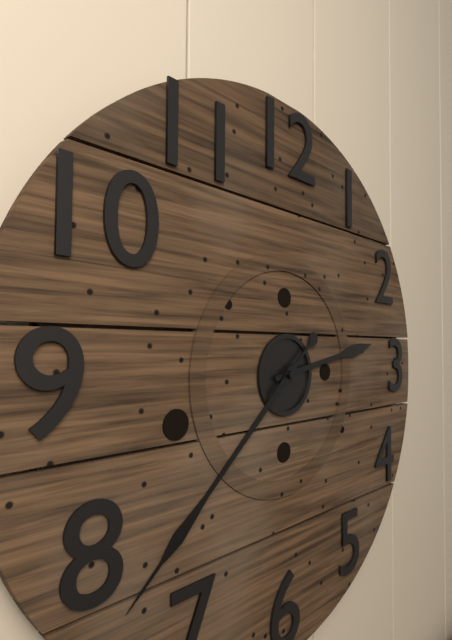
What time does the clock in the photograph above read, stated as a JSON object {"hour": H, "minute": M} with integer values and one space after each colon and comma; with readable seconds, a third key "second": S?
{"hour": 2, "minute": 38}
